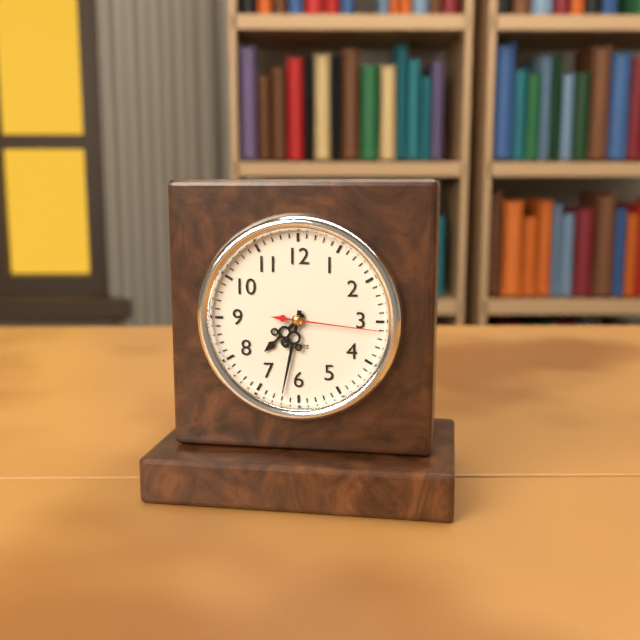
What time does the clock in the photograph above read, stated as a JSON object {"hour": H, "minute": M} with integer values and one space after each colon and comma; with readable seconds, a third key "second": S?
{"hour": 7, "minute": 32, "second": 16}
